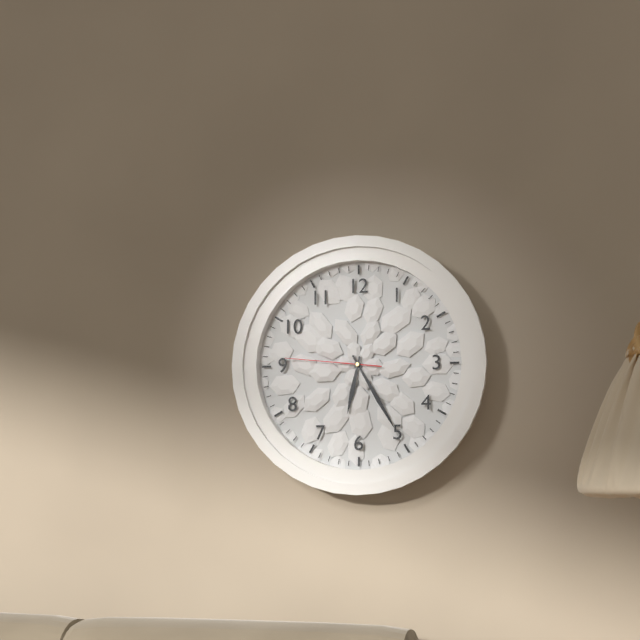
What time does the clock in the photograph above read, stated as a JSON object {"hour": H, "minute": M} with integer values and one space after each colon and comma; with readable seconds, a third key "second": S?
{"hour": 6, "minute": 25, "second": 46}
